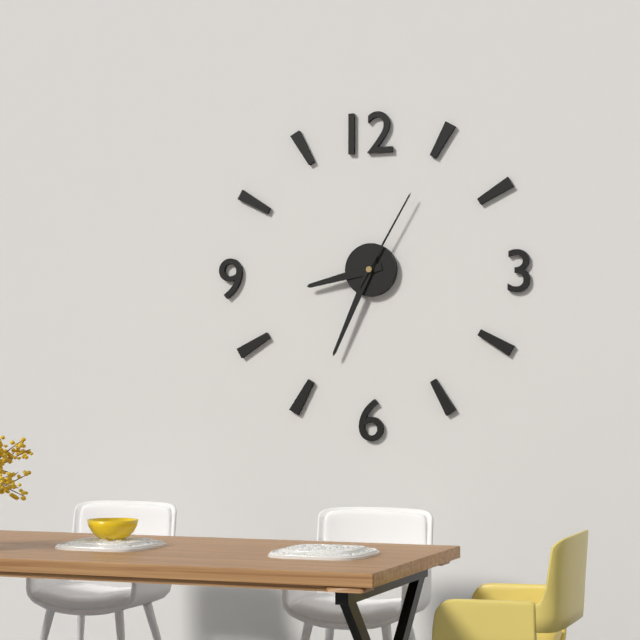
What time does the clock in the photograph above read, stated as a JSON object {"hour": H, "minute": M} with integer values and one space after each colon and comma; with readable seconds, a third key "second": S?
{"hour": 8, "minute": 34, "second": 5}
